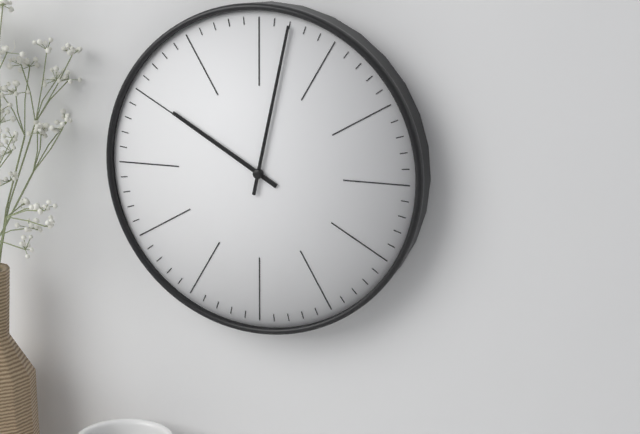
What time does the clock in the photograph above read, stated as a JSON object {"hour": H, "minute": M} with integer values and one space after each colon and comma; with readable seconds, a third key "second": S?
{"hour": 10, "minute": 2}
